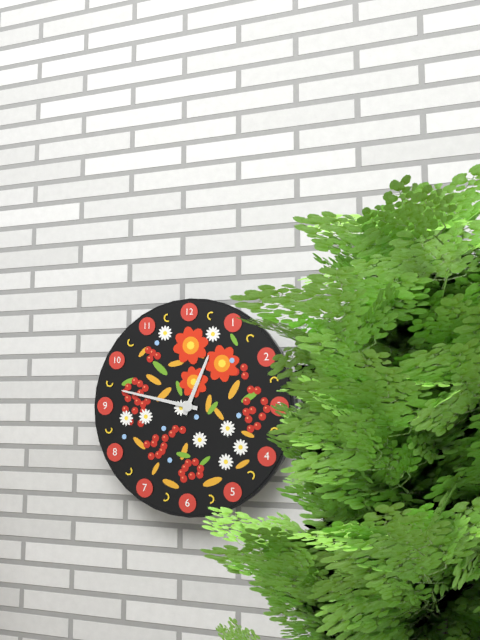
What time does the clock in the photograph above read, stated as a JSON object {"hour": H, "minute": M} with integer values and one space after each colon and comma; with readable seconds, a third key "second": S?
{"hour": 12, "minute": 47}
